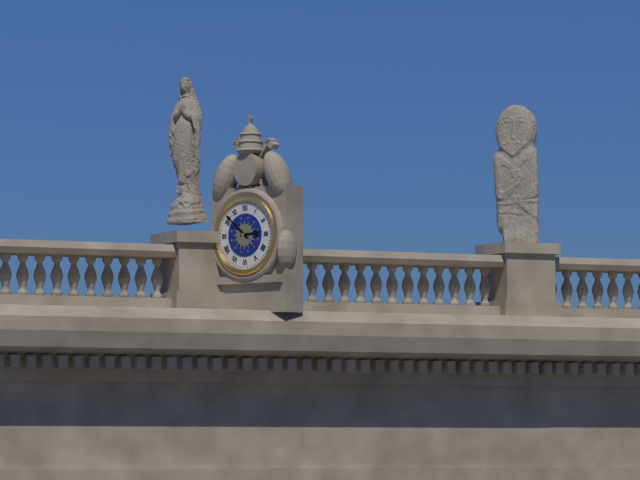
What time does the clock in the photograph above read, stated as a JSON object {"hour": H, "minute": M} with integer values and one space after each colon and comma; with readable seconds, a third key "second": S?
{"hour": 2, "minute": 52}
